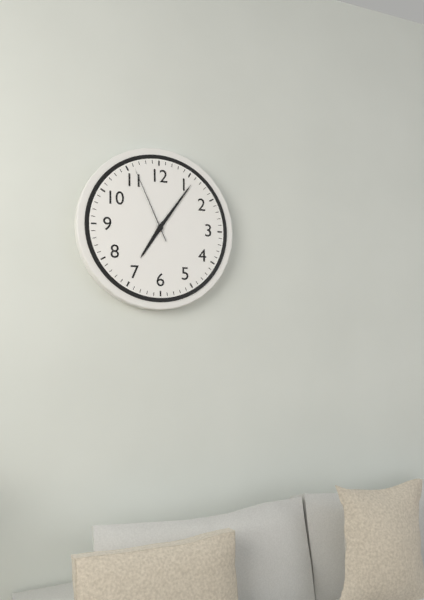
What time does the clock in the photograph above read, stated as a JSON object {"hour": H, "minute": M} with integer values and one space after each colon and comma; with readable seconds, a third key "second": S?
{"hour": 7, "minute": 6, "second": 56}
